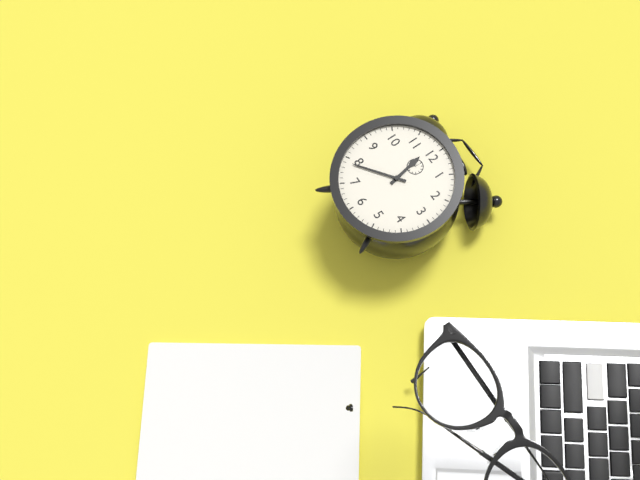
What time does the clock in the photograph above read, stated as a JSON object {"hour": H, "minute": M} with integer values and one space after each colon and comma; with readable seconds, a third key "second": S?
{"hour": 11, "minute": 39}
